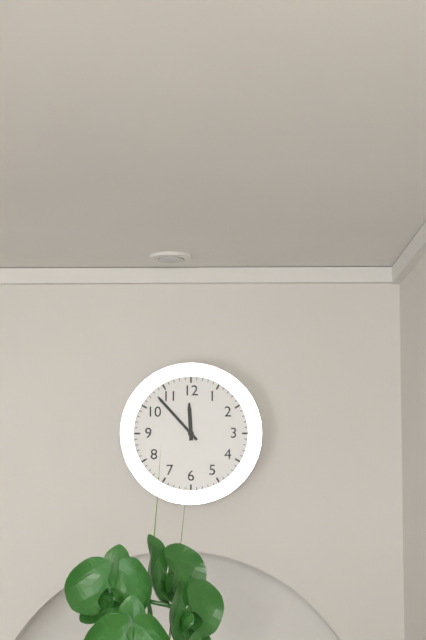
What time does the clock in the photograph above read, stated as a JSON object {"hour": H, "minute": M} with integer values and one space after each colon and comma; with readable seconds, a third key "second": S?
{"hour": 11, "minute": 53}
